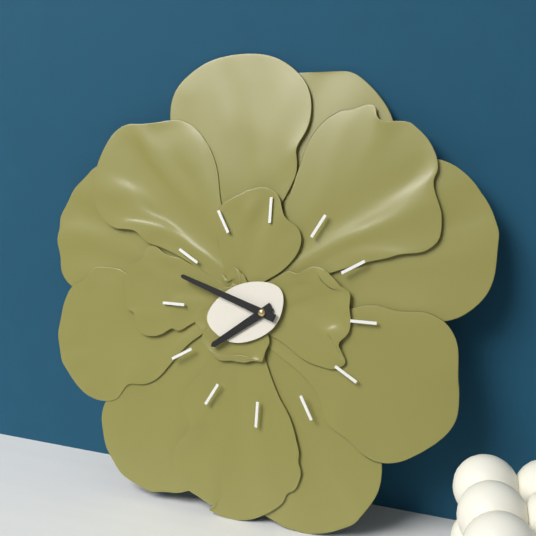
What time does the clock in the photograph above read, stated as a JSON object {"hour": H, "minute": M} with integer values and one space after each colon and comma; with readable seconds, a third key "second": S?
{"hour": 7, "minute": 48}
